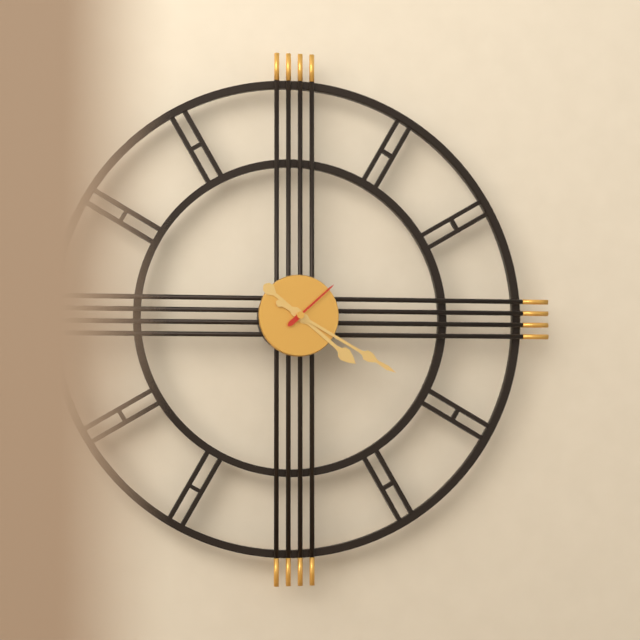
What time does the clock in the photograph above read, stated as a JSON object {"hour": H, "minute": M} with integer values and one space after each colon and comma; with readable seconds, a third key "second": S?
{"hour": 4, "minute": 20, "second": 8}
